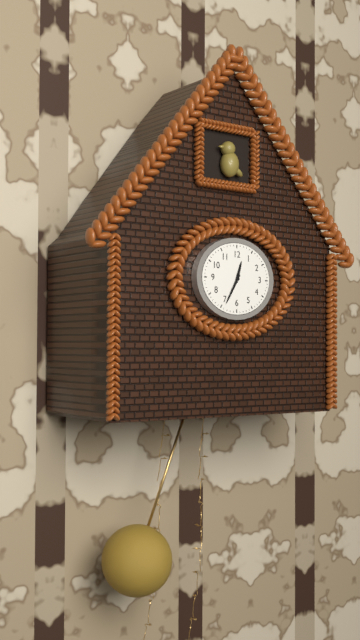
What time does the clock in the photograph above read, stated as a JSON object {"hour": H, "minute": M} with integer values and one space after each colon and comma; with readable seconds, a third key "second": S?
{"hour": 12, "minute": 35}
